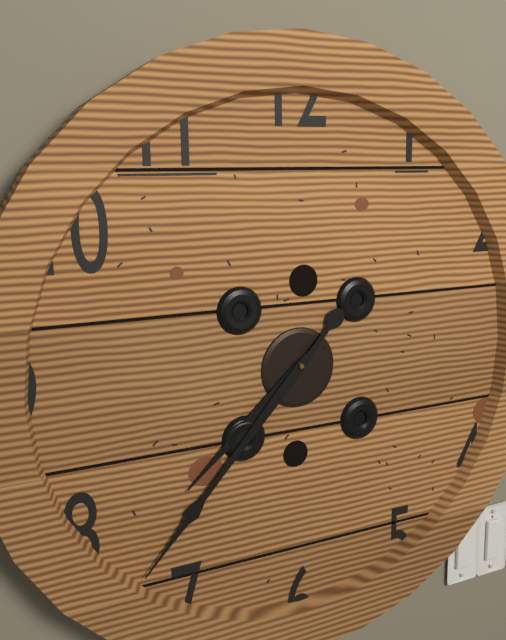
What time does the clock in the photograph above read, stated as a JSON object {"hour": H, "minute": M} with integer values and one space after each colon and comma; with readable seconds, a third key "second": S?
{"hour": 7, "minute": 37}
